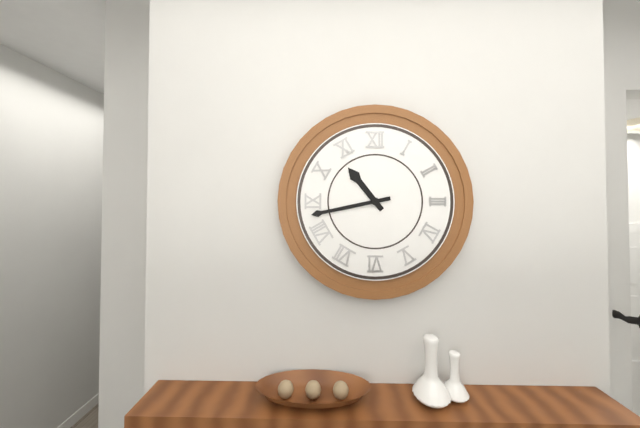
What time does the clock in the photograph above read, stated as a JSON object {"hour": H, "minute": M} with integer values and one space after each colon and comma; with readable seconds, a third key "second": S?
{"hour": 10, "minute": 43}
